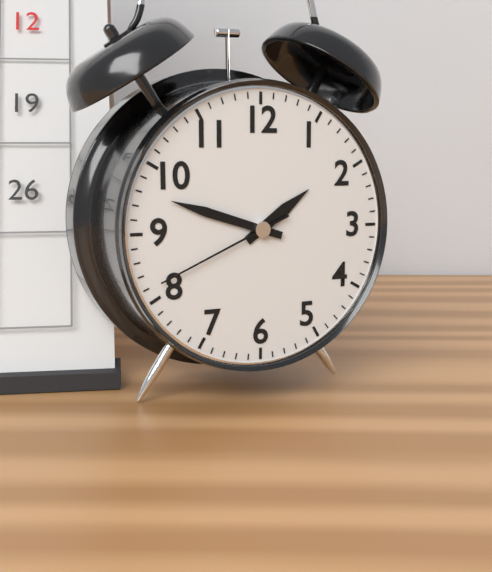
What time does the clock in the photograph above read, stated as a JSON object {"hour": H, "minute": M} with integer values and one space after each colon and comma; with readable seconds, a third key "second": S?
{"hour": 1, "minute": 48, "second": 41}
